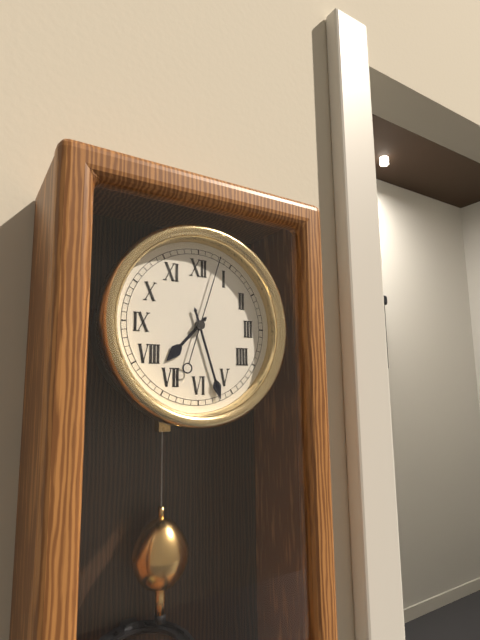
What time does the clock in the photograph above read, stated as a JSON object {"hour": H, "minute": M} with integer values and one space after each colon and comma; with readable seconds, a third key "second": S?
{"hour": 7, "minute": 27, "second": 3}
